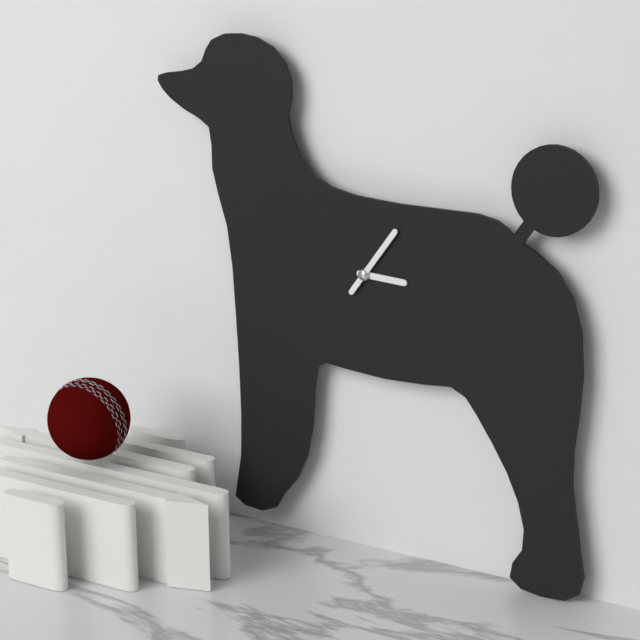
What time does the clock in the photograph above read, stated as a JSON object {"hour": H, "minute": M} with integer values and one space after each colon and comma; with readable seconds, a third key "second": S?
{"hour": 3, "minute": 6}
